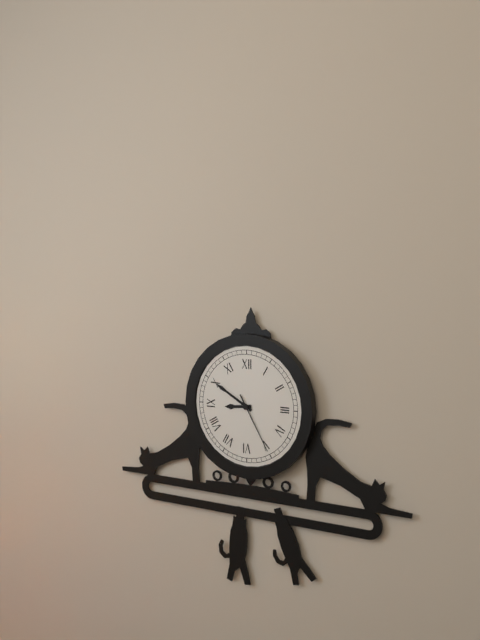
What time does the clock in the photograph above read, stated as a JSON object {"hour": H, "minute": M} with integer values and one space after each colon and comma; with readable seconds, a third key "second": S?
{"hour": 8, "minute": 50, "second": 25}
